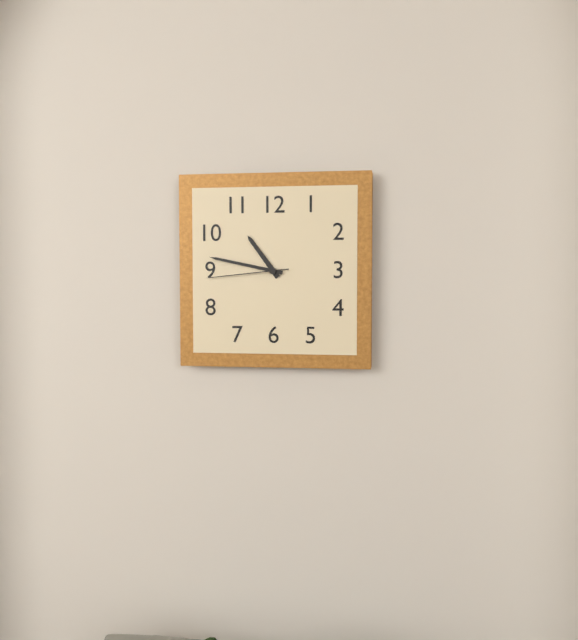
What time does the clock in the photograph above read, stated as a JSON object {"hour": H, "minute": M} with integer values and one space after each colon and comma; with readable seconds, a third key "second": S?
{"hour": 10, "minute": 47, "second": 44}
